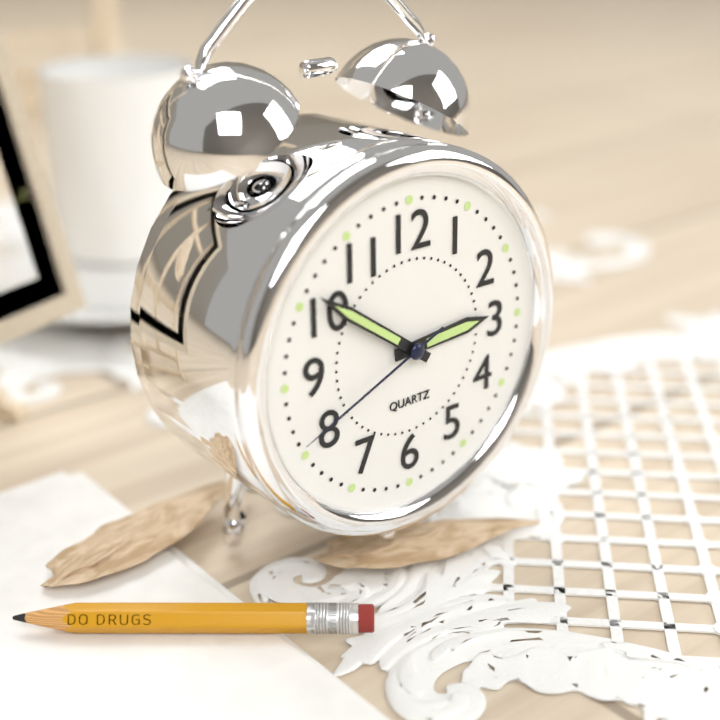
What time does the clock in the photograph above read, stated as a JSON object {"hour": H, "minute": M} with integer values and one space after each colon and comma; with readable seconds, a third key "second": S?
{"hour": 2, "minute": 51, "second": 41}
